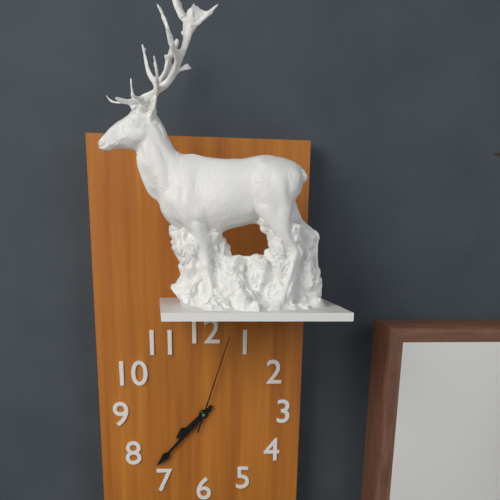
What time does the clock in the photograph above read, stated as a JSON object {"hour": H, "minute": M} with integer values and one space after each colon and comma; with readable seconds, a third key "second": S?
{"hour": 7, "minute": 37, "second": 3}
